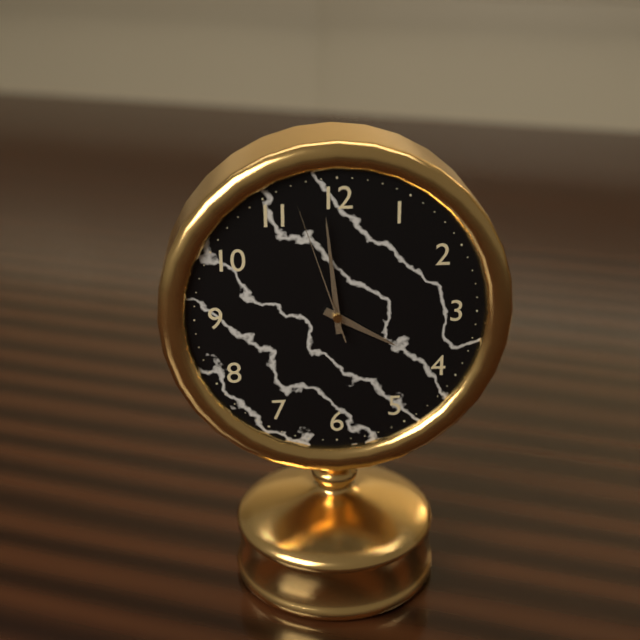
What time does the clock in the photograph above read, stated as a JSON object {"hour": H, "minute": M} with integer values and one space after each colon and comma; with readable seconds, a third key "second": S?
{"hour": 3, "minute": 59, "second": 57}
